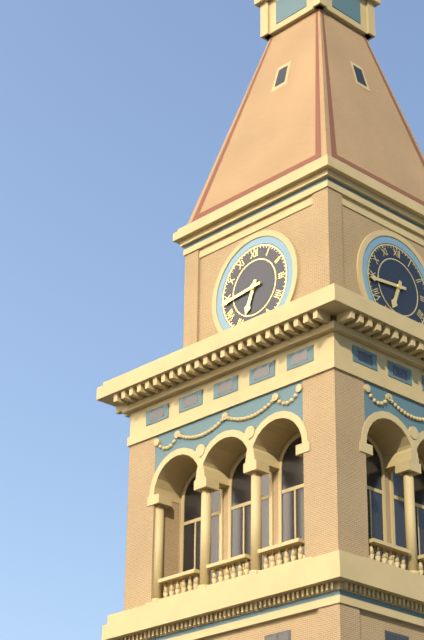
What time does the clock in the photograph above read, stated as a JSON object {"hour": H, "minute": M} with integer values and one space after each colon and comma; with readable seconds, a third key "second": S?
{"hour": 6, "minute": 44}
